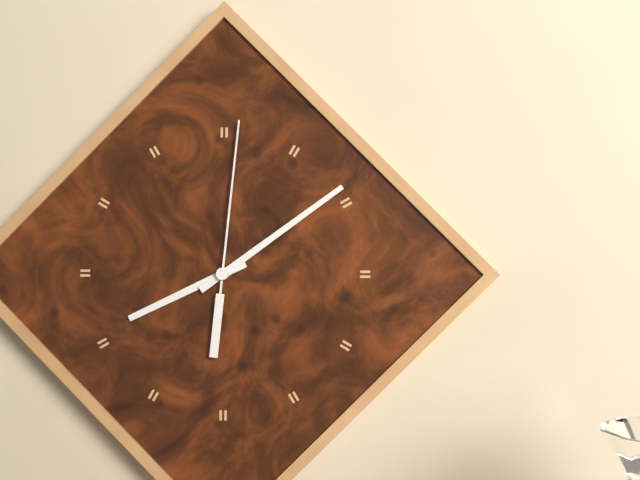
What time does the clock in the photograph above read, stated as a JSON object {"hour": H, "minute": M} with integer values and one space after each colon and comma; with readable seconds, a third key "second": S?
{"hour": 8, "minute": 9, "second": 1}
